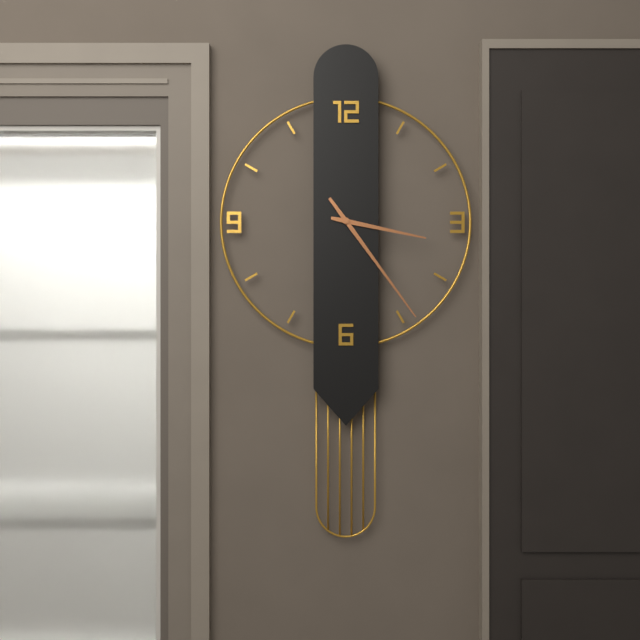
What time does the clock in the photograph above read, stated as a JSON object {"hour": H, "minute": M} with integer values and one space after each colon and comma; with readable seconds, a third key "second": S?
{"hour": 3, "minute": 24}
